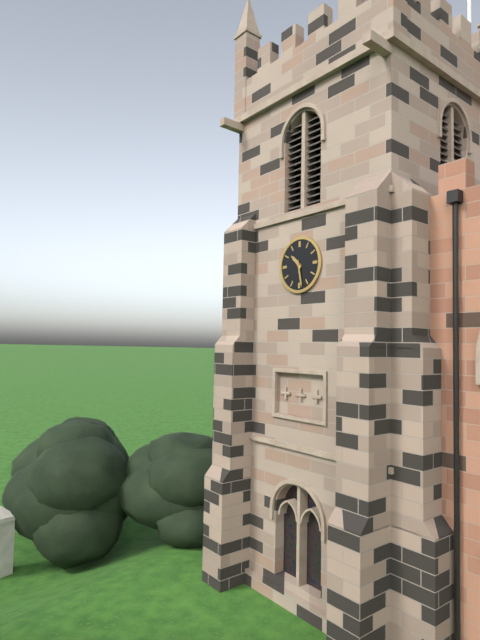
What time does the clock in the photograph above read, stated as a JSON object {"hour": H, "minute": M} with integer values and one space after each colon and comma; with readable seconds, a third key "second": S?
{"hour": 10, "minute": 28}
